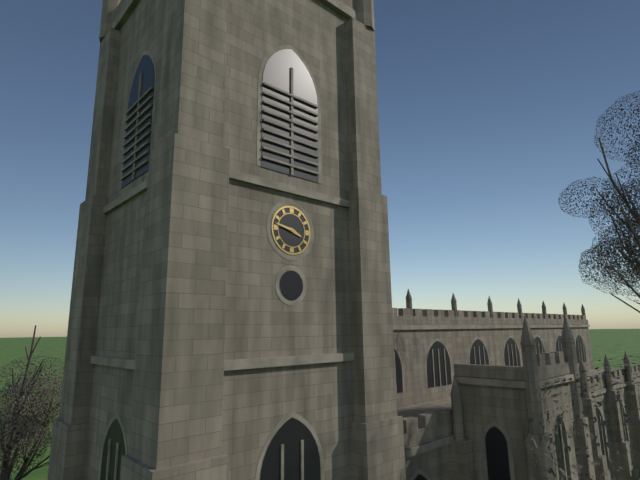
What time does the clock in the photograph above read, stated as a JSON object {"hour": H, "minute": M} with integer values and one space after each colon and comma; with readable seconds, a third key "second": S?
{"hour": 3, "minute": 47}
